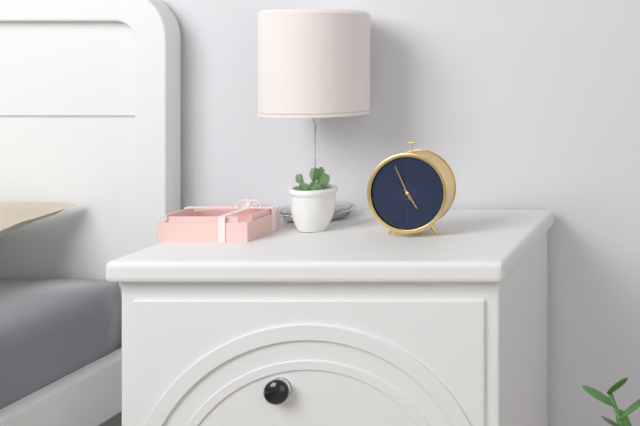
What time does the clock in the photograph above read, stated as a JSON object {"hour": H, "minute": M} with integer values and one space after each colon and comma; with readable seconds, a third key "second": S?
{"hour": 4, "minute": 56}
